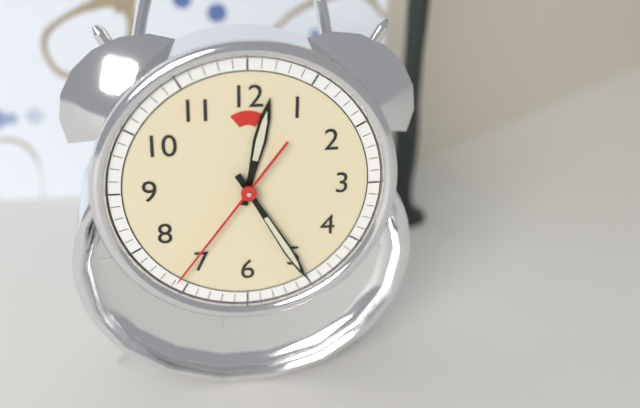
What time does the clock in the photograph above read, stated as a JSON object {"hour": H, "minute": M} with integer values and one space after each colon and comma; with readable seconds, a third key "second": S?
{"hour": 12, "minute": 25, "second": 36}
